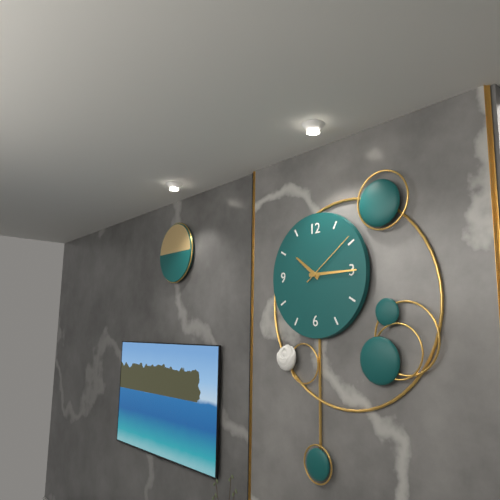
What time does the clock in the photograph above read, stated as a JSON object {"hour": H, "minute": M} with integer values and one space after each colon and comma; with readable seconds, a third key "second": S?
{"hour": 10, "minute": 15, "second": 9}
